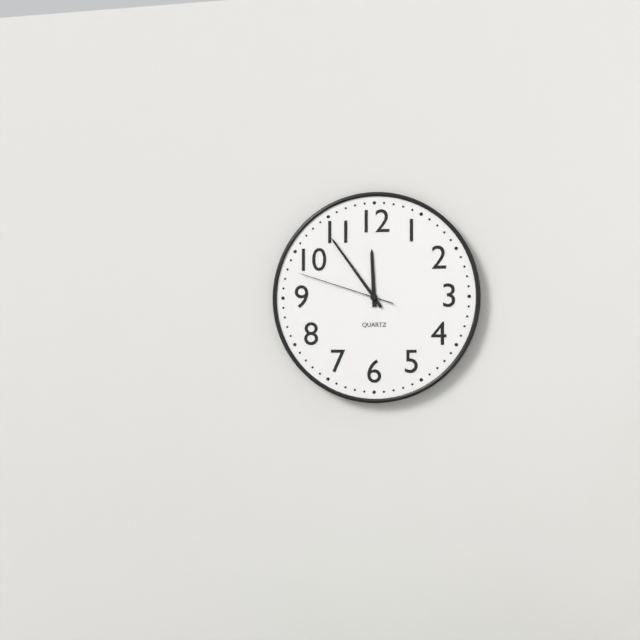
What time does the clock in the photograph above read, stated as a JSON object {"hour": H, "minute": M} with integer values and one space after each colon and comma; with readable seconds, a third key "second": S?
{"hour": 11, "minute": 54, "second": 48}
